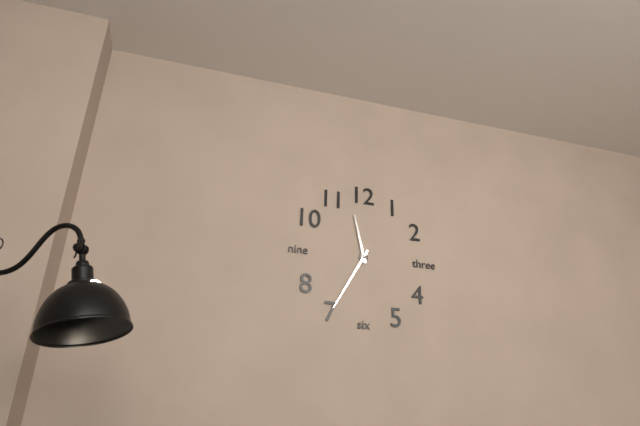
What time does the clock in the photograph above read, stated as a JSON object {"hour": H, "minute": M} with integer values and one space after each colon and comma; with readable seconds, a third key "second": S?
{"hour": 11, "minute": 35}
